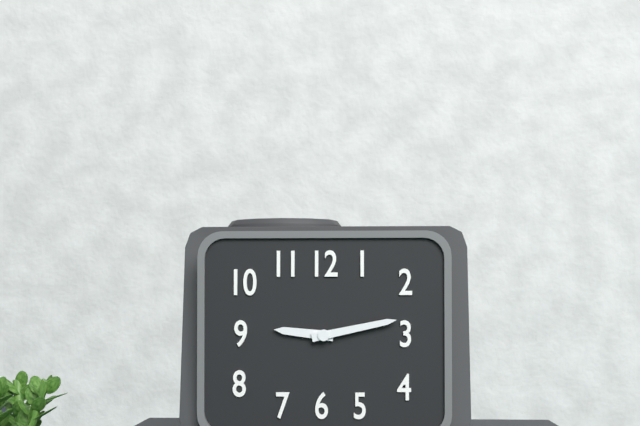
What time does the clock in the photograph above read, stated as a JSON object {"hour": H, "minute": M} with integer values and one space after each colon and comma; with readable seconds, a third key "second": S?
{"hour": 9, "minute": 13}
